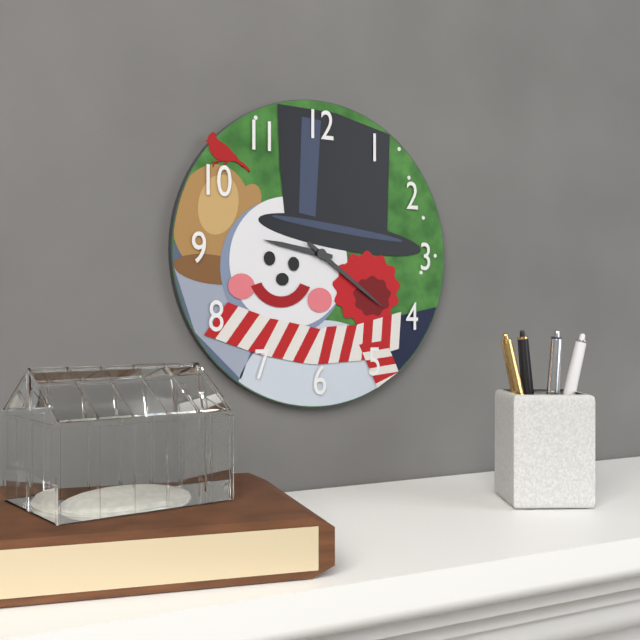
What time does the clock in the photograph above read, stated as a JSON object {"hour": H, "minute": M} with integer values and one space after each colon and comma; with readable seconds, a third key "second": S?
{"hour": 9, "minute": 21}
